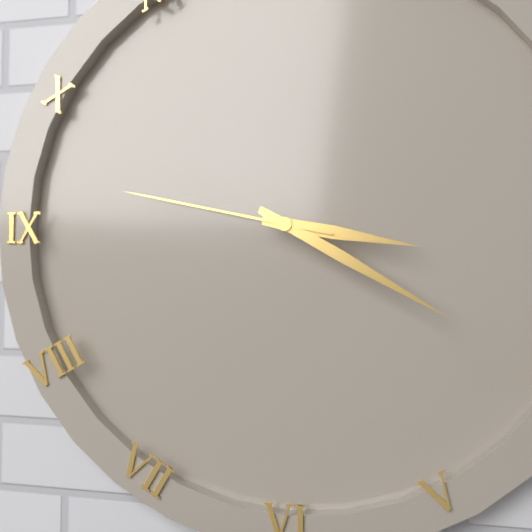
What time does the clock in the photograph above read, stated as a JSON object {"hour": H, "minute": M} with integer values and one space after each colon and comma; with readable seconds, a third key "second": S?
{"hour": 3, "minute": 20, "second": 47}
